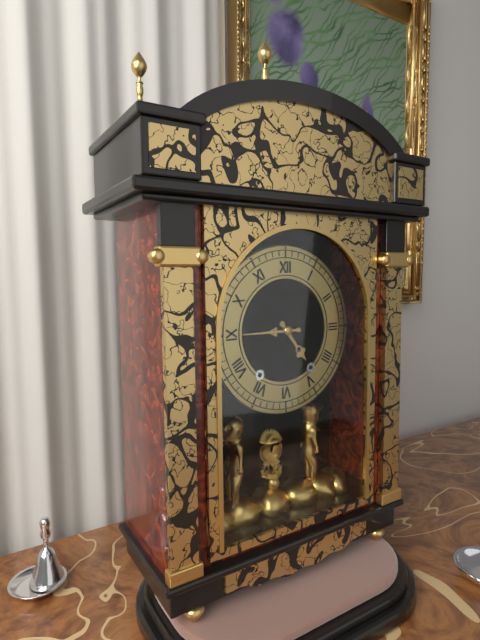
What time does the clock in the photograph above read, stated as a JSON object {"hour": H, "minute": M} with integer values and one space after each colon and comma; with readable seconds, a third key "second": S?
{"hour": 4, "minute": 45}
